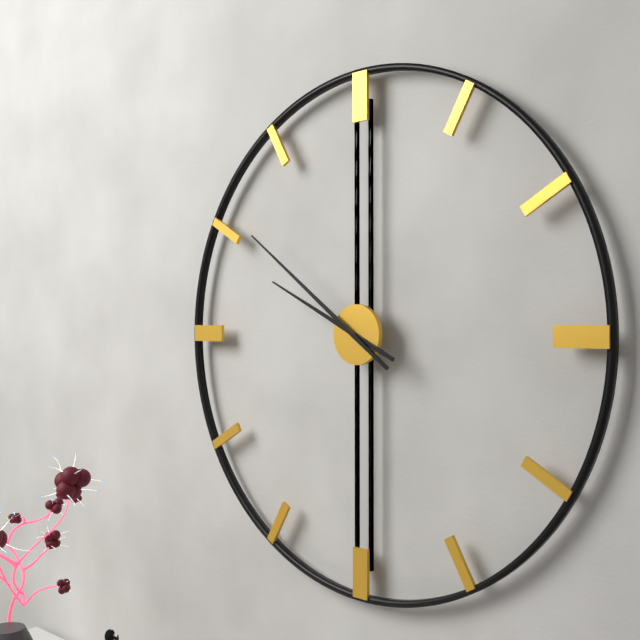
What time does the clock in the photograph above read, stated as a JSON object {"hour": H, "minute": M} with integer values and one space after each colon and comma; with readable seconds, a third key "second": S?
{"hour": 9, "minute": 51}
